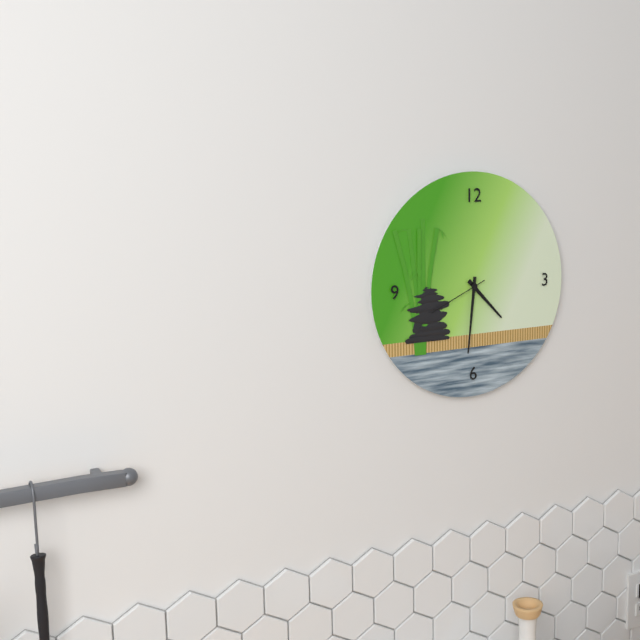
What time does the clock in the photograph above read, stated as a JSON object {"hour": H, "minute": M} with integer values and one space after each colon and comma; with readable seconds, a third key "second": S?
{"hour": 4, "minute": 31, "second": 41}
